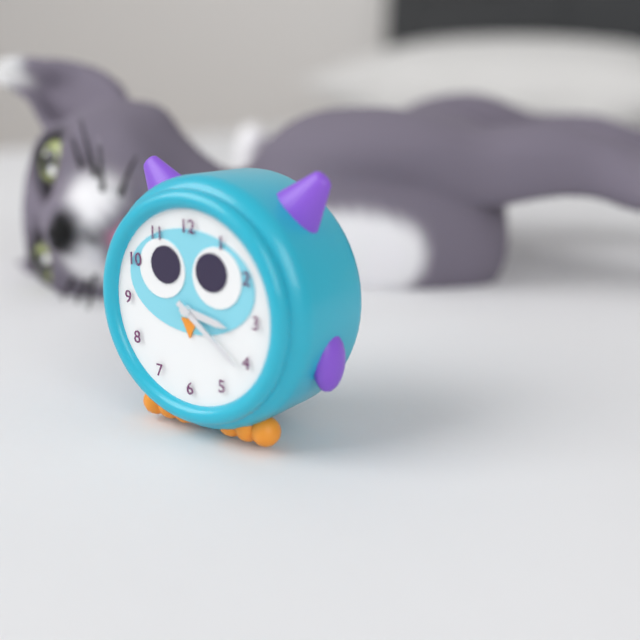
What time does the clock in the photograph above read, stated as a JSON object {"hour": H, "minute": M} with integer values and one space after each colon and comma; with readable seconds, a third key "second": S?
{"hour": 3, "minute": 21}
